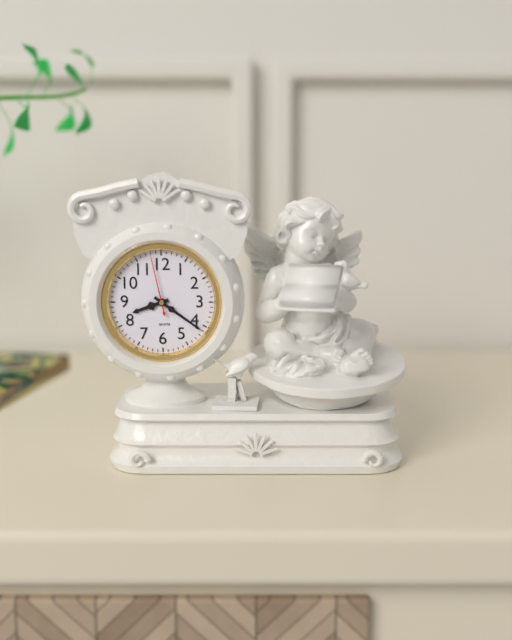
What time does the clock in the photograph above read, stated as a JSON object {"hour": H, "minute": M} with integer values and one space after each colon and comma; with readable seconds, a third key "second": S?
{"hour": 8, "minute": 21, "second": 58}
